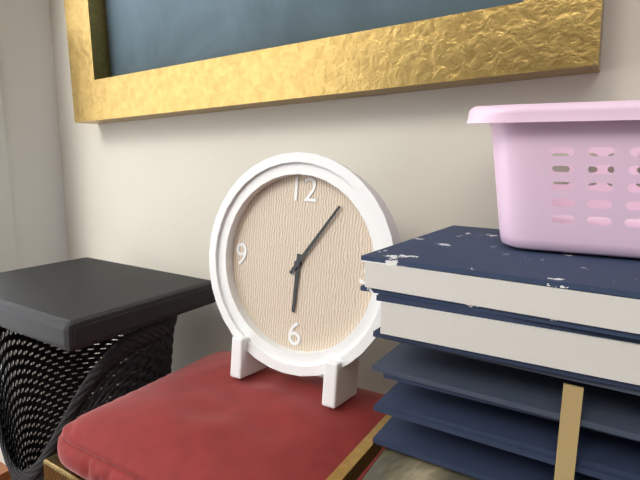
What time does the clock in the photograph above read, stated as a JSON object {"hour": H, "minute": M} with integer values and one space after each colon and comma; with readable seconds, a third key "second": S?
{"hour": 6, "minute": 6}
